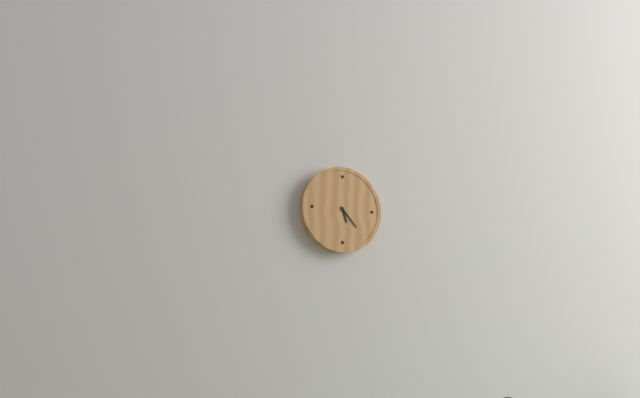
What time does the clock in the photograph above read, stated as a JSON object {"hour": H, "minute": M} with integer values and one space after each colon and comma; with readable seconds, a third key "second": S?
{"hour": 5, "minute": 23}
